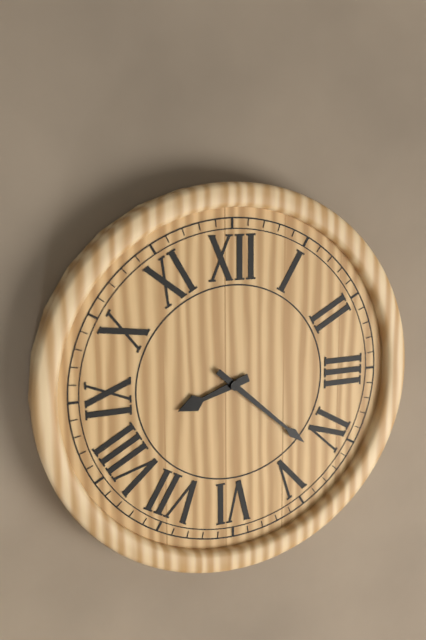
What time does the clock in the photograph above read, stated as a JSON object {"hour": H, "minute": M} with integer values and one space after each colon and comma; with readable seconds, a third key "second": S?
{"hour": 8, "minute": 22}
